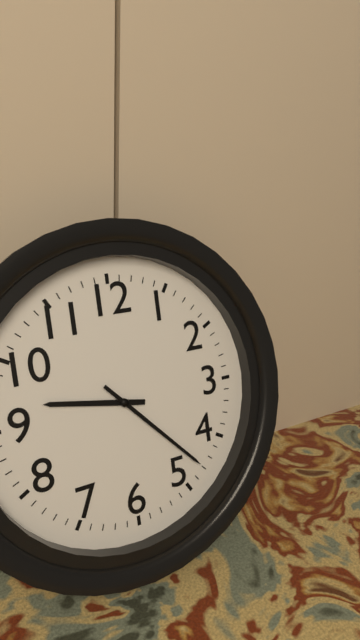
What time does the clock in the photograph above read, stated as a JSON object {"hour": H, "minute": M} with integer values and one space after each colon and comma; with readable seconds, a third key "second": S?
{"hour": 9, "minute": 23}
